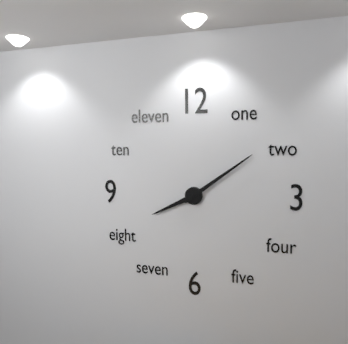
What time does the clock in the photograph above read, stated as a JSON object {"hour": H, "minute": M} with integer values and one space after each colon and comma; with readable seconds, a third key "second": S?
{"hour": 8, "minute": 9}
